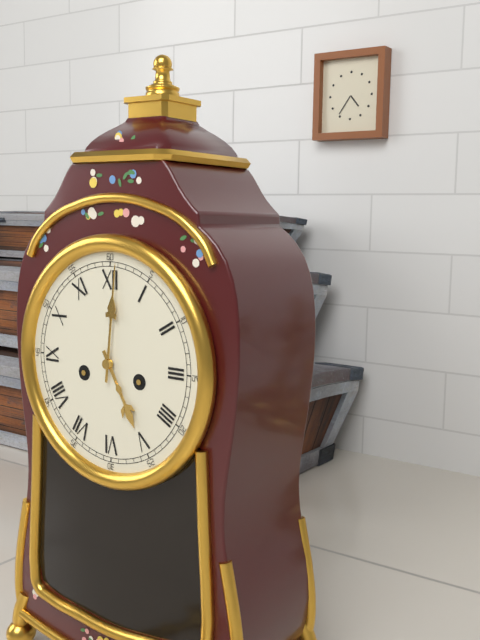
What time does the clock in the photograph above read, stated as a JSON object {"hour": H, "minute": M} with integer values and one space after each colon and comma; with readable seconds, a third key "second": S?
{"hour": 5, "minute": 1}
